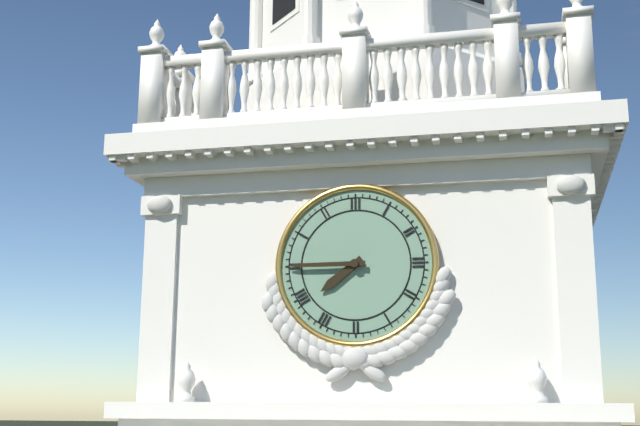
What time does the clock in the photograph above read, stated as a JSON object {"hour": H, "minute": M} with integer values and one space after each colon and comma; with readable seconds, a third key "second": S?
{"hour": 7, "minute": 45}
